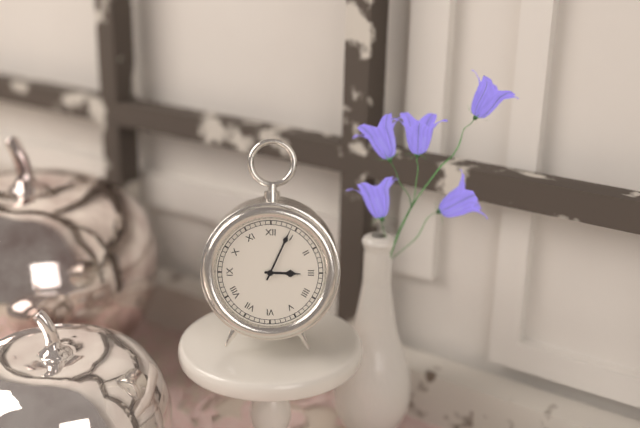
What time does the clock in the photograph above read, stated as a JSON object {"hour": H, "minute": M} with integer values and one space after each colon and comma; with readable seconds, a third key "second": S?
{"hour": 3, "minute": 4}
